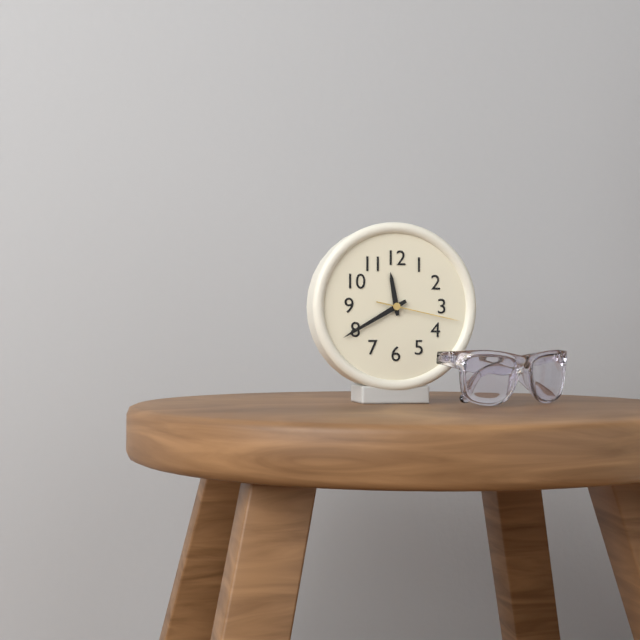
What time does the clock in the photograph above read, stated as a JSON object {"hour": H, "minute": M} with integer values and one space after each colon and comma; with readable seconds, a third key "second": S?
{"hour": 11, "minute": 40, "second": 17}
